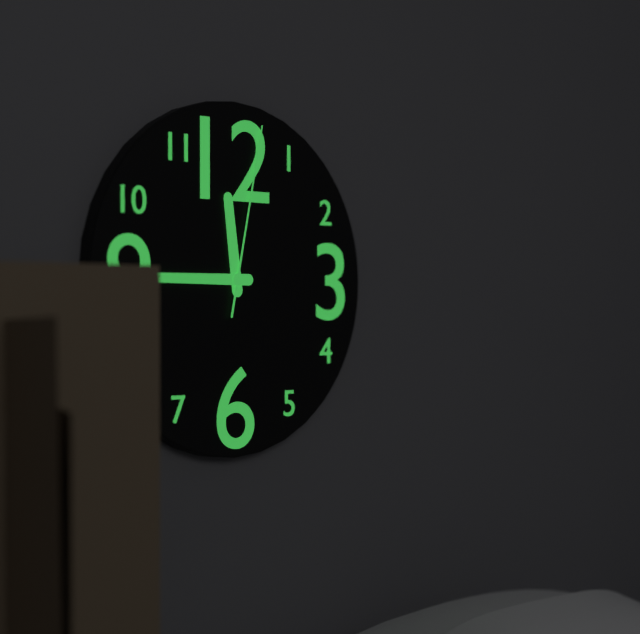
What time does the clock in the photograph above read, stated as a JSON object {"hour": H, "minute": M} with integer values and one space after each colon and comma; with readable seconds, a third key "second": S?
{"hour": 11, "minute": 45, "second": 2}
